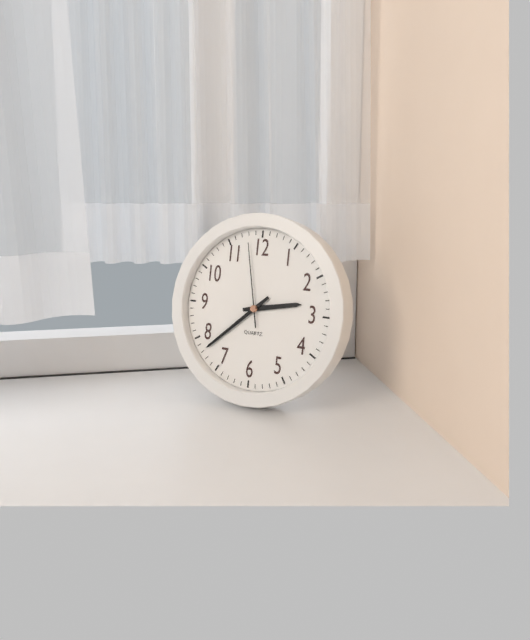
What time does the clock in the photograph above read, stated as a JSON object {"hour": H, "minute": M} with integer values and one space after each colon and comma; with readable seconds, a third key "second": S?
{"hour": 2, "minute": 38, "second": 58}
